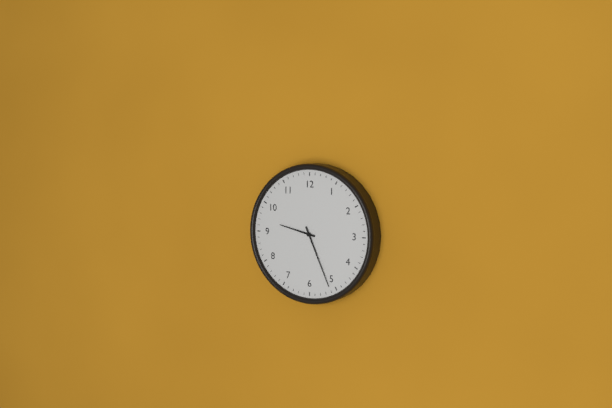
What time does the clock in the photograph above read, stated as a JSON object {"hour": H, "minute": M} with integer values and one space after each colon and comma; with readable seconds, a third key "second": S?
{"hour": 9, "minute": 26}
